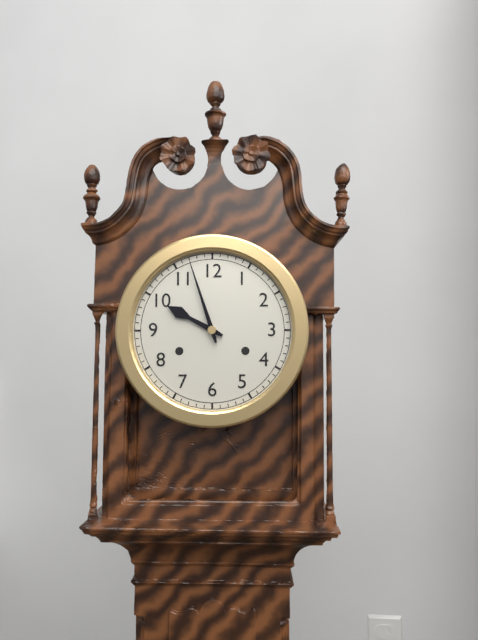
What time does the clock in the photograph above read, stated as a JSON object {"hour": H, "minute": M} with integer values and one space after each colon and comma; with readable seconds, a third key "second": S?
{"hour": 9, "minute": 57}
